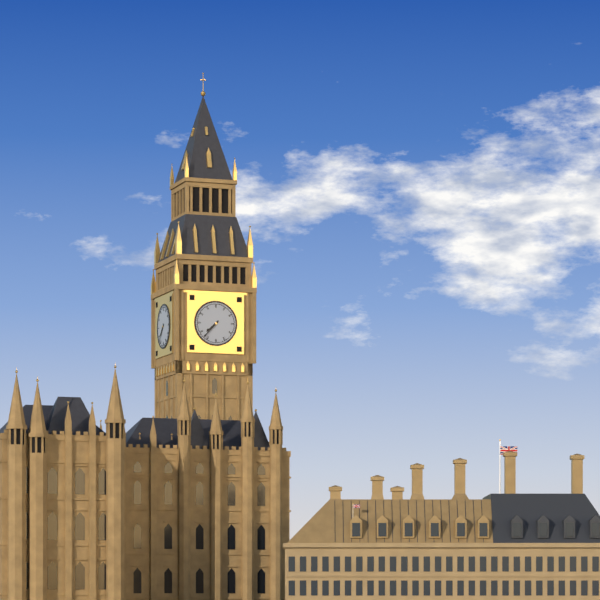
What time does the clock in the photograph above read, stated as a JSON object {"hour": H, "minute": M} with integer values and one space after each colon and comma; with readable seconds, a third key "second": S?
{"hour": 7, "minute": 37}
